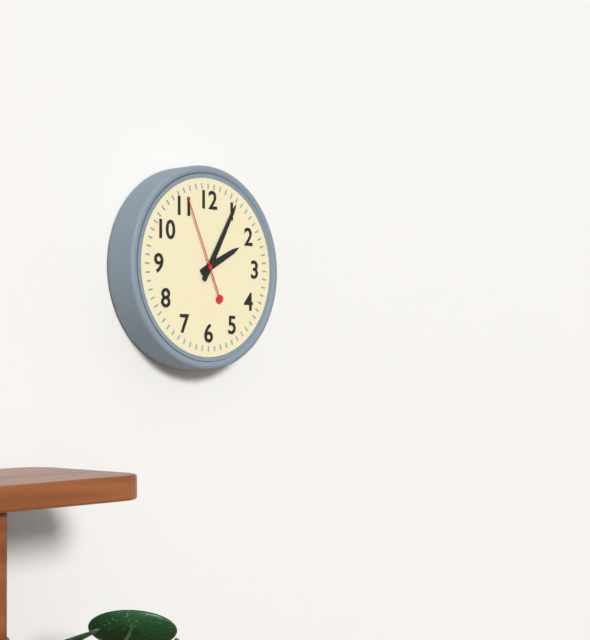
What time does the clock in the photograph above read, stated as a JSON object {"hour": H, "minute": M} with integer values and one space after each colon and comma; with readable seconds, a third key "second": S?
{"hour": 2, "minute": 5, "second": 56}
